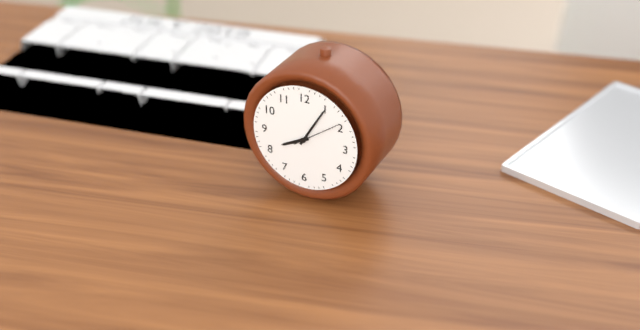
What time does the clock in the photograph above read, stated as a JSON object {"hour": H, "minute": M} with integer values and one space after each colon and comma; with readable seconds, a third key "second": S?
{"hour": 8, "minute": 5, "second": 9}
